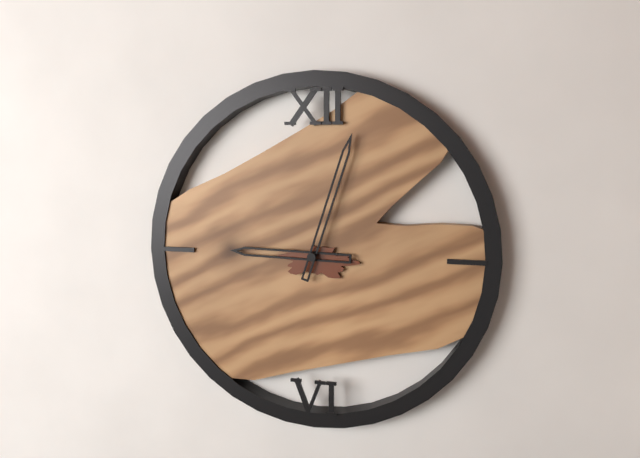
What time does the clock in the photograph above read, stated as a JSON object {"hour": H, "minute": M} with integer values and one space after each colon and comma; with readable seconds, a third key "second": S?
{"hour": 9, "minute": 3}
